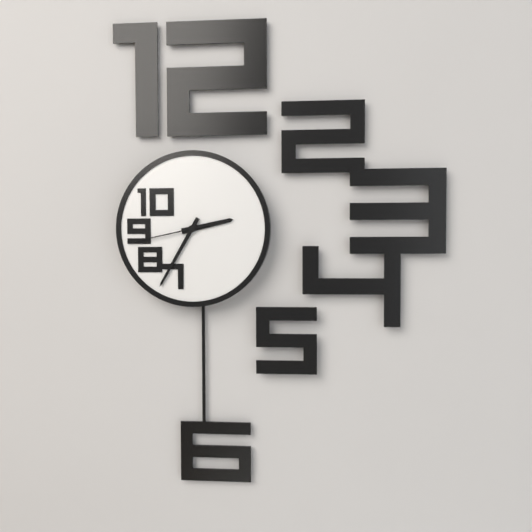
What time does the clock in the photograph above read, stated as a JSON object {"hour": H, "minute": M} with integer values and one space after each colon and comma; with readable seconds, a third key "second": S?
{"hour": 2, "minute": 35, "second": 43}
